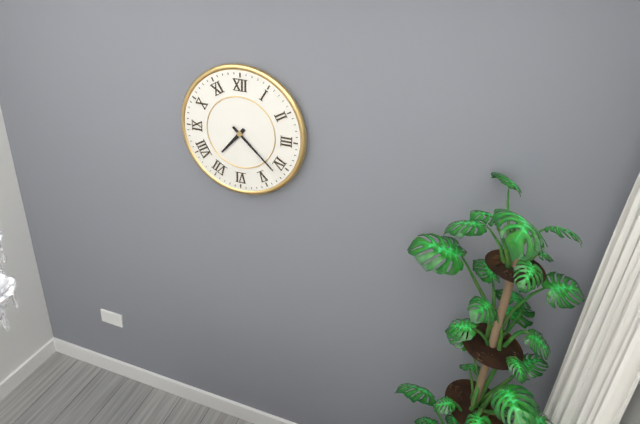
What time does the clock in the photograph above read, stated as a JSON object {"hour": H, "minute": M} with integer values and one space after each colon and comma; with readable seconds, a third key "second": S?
{"hour": 7, "minute": 22}
